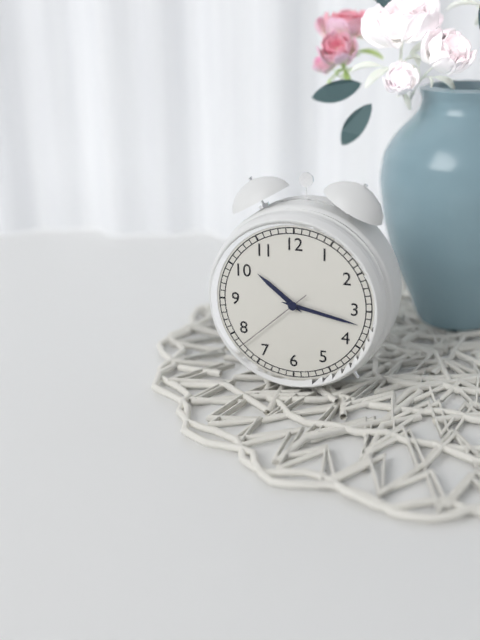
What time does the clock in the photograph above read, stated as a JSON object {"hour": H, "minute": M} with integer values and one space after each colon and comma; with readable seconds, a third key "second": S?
{"hour": 10, "minute": 17, "second": 38}
